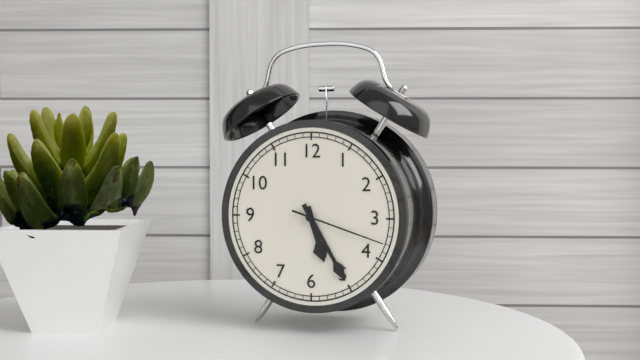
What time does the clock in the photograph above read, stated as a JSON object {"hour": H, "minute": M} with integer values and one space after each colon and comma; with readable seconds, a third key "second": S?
{"hour": 5, "minute": 25, "second": 18}
